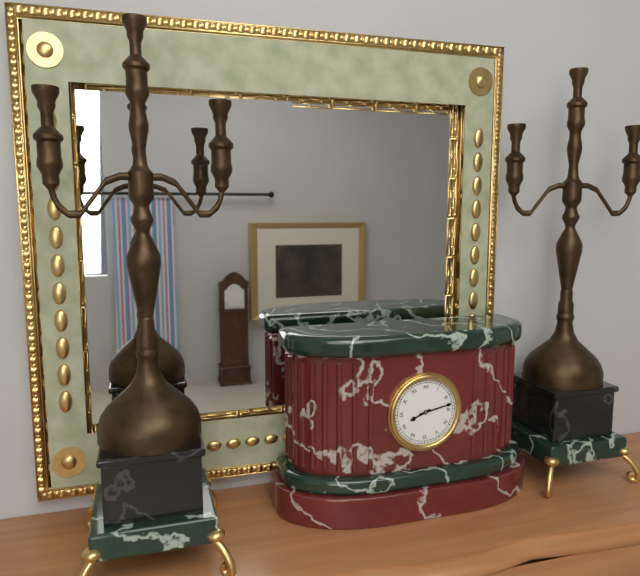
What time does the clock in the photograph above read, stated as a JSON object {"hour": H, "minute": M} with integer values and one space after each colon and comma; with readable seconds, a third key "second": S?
{"hour": 8, "minute": 13}
